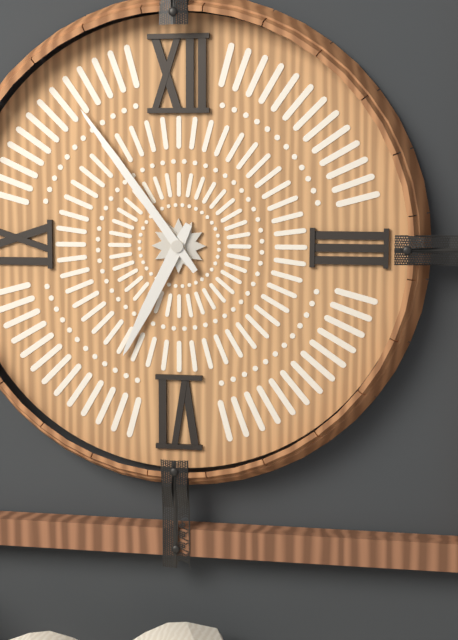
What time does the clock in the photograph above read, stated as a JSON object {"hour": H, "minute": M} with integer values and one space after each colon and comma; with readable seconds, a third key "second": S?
{"hour": 6, "minute": 54}
